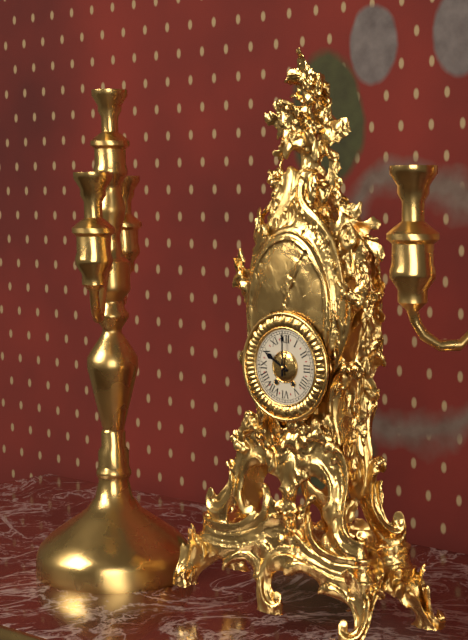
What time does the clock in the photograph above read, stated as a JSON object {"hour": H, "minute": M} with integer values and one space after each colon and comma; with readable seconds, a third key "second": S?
{"hour": 10, "minute": 0}
